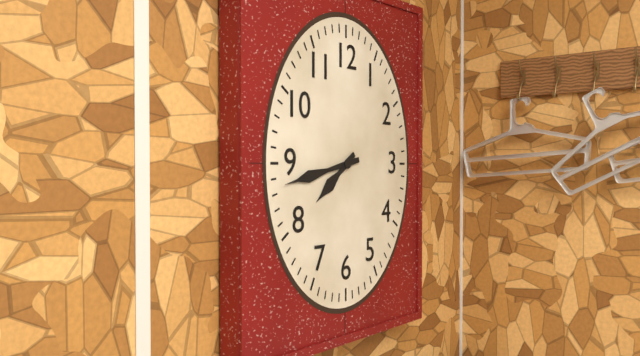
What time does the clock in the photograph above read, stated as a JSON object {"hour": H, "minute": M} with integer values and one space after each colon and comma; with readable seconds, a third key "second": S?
{"hour": 7, "minute": 43}
